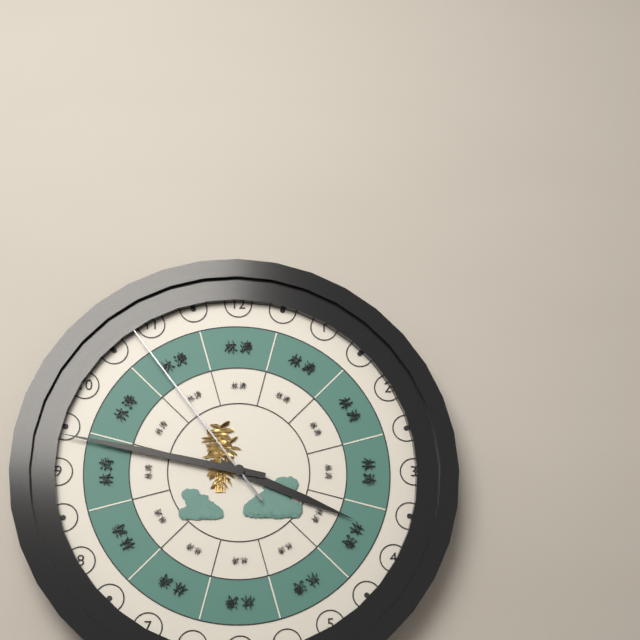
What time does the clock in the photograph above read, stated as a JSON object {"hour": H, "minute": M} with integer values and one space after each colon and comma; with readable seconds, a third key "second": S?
{"hour": 3, "minute": 47, "second": 54}
